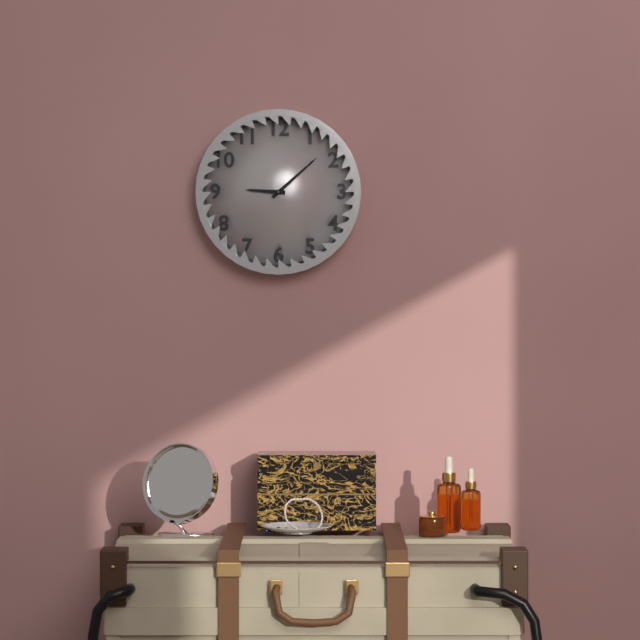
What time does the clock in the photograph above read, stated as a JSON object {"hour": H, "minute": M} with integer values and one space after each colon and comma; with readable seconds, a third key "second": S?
{"hour": 9, "minute": 8}
